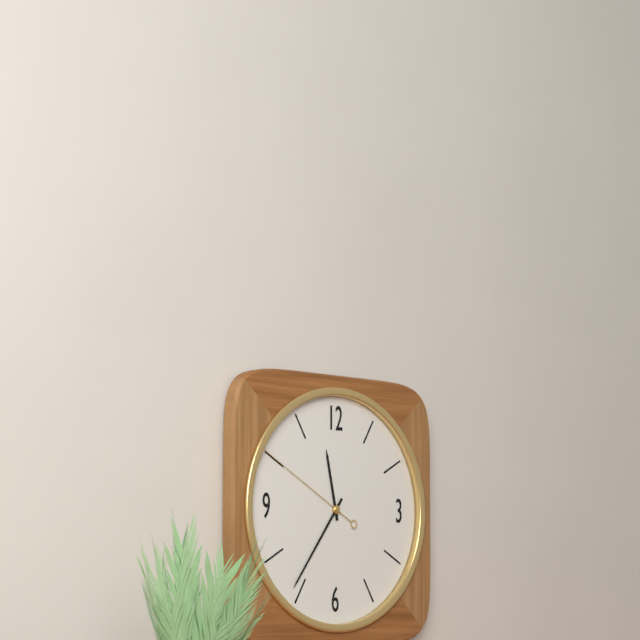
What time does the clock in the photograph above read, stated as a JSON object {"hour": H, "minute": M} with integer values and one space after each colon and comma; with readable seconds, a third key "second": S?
{"hour": 11, "minute": 36, "second": 50}
